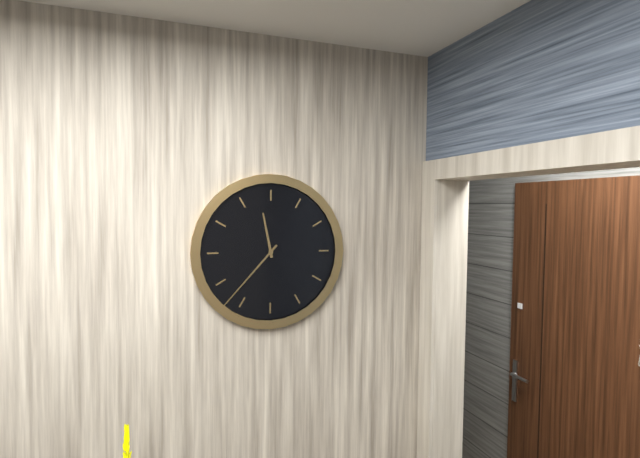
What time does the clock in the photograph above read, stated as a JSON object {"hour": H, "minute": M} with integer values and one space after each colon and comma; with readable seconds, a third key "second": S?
{"hour": 11, "minute": 37}
